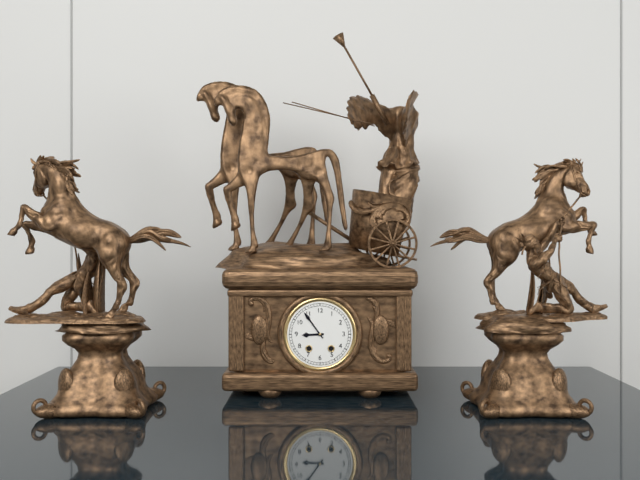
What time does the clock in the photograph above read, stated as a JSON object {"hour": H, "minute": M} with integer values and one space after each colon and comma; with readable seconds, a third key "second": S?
{"hour": 8, "minute": 54}
